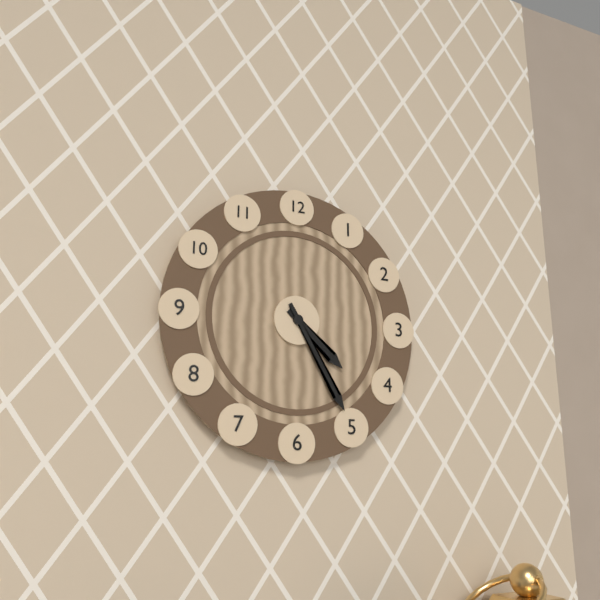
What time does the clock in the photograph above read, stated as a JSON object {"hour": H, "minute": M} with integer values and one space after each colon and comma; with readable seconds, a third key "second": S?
{"hour": 4, "minute": 25}
